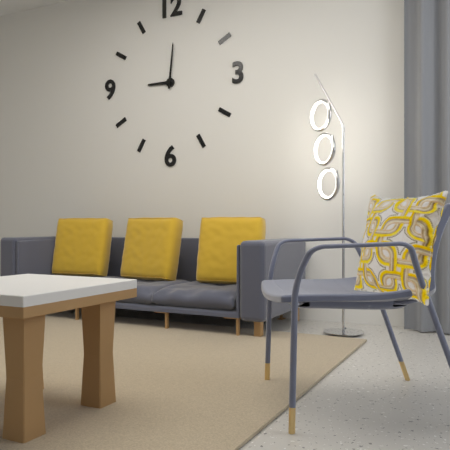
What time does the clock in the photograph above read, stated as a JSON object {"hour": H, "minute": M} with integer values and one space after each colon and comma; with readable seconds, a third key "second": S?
{"hour": 9, "minute": 1}
